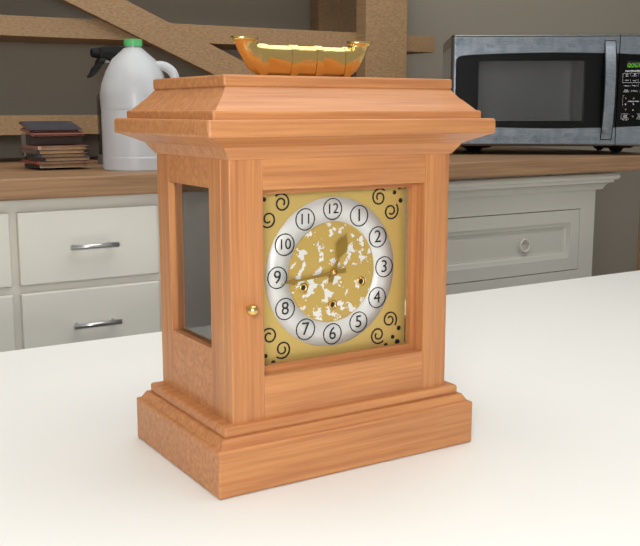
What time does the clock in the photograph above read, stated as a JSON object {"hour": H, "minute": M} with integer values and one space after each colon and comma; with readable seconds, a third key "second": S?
{"hour": 12, "minute": 44}
